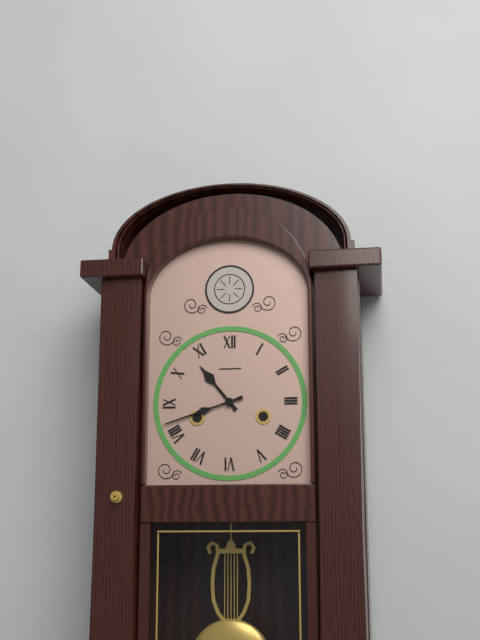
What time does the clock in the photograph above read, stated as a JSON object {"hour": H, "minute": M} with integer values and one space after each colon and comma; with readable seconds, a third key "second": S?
{"hour": 10, "minute": 42}
